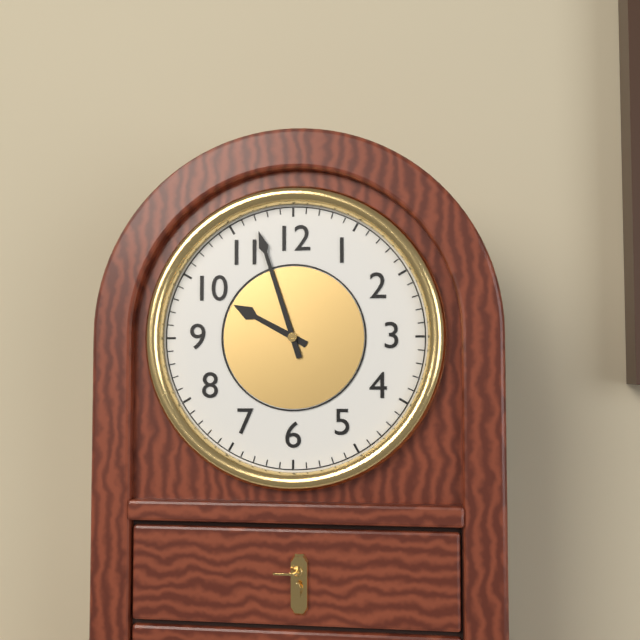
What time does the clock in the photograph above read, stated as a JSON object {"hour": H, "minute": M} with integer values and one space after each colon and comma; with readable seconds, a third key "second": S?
{"hour": 9, "minute": 57}
